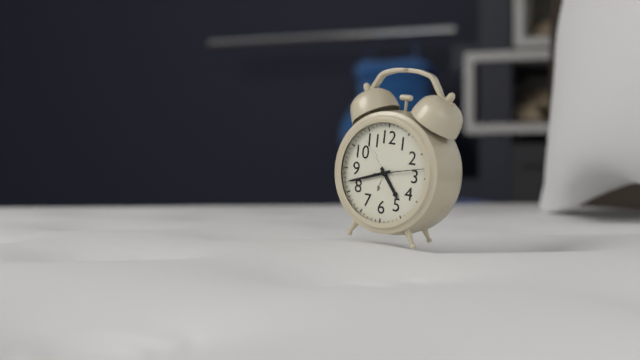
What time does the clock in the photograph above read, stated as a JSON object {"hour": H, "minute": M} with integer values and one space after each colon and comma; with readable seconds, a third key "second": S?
{"hour": 4, "minute": 42, "second": 13}
